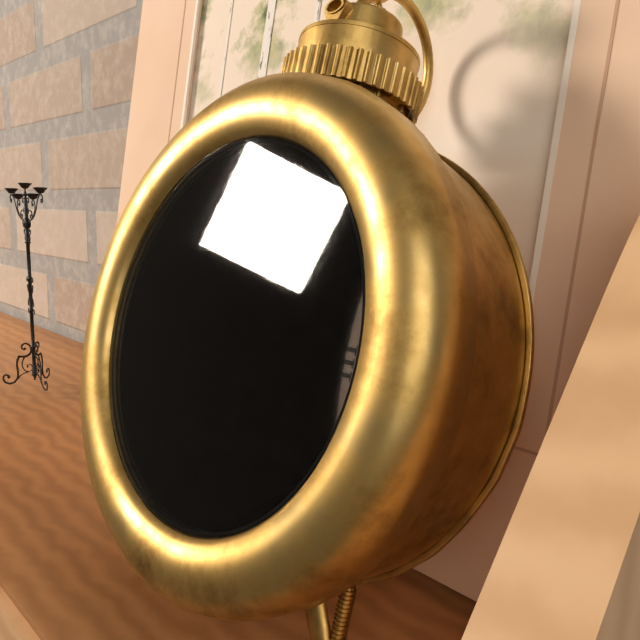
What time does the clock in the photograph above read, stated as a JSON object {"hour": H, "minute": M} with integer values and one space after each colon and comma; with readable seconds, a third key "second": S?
{"hour": 11, "minute": 41, "second": 46}
